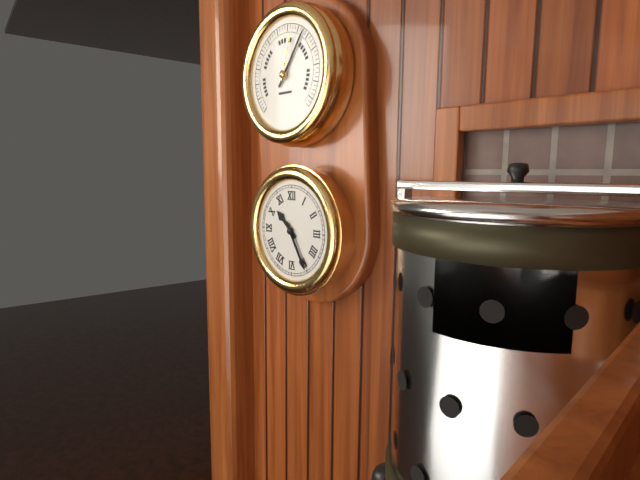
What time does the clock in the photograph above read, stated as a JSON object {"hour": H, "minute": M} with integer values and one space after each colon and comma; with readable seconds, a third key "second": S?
{"hour": 10, "minute": 25}
